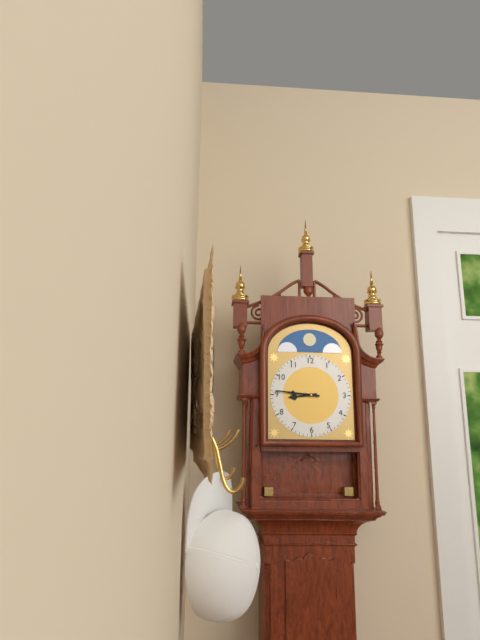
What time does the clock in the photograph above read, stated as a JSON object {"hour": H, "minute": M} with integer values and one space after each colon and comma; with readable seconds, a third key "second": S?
{"hour": 8, "minute": 46}
